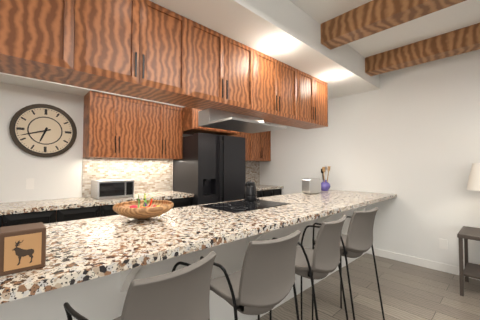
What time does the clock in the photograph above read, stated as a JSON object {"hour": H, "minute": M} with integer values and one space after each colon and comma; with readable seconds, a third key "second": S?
{"hour": 6, "minute": 42}
